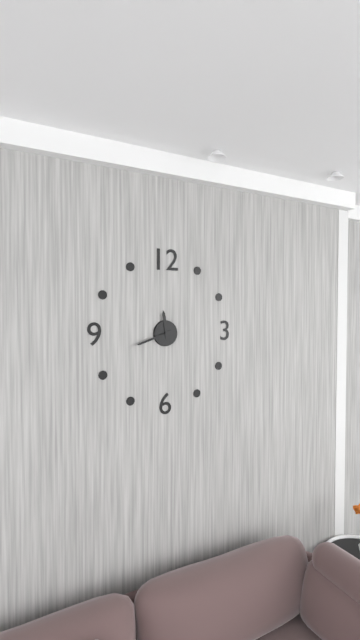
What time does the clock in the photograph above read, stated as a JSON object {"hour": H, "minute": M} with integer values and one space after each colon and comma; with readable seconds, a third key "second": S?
{"hour": 11, "minute": 42}
